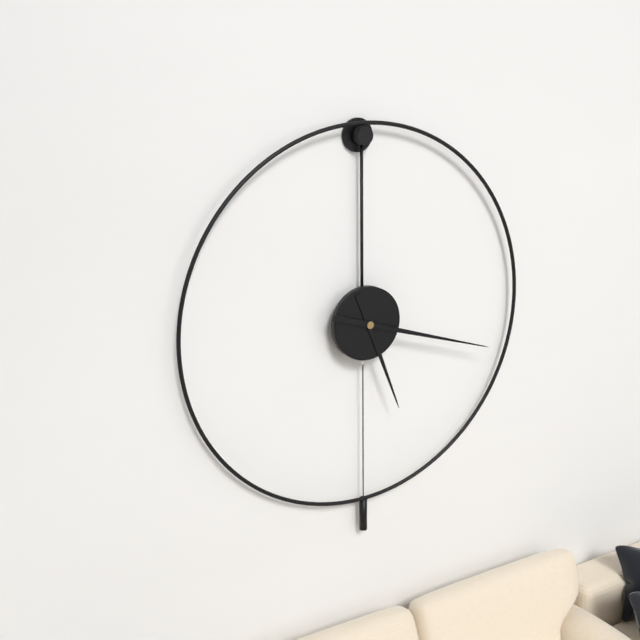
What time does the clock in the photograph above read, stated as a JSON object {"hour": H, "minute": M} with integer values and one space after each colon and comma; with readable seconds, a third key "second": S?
{"hour": 5, "minute": 18}
